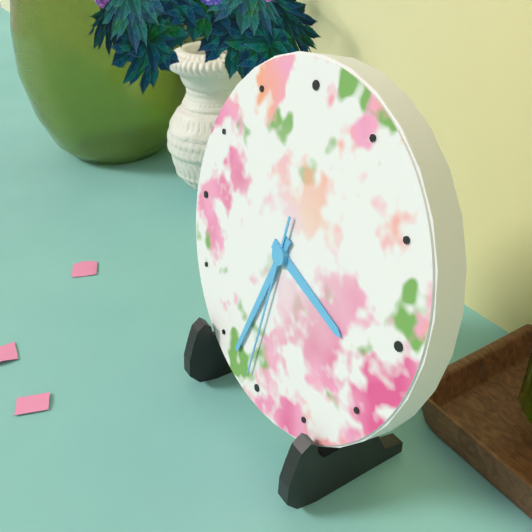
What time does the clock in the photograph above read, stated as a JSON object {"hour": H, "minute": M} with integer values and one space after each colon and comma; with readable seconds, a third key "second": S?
{"hour": 3, "minute": 33, "second": 31}
